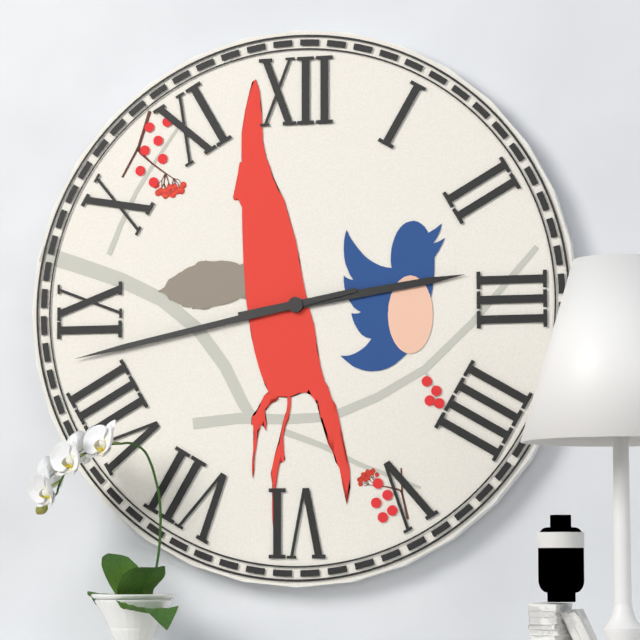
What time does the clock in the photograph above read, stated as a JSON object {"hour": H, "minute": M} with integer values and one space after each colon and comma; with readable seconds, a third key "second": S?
{"hour": 2, "minute": 43}
